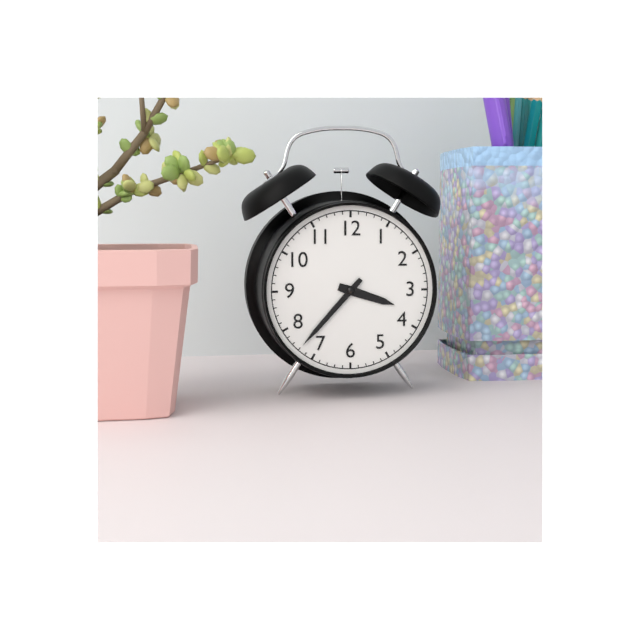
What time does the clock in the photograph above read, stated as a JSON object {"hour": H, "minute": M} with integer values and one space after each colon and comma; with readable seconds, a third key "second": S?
{"hour": 3, "minute": 37}
